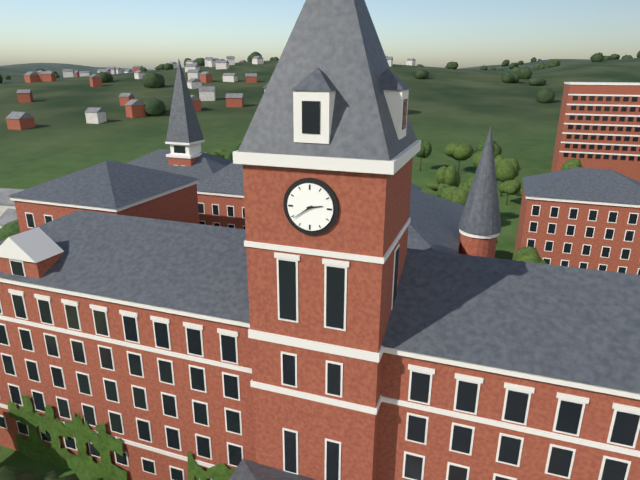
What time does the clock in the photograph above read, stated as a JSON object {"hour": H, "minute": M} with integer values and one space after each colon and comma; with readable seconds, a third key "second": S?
{"hour": 2, "minute": 39}
